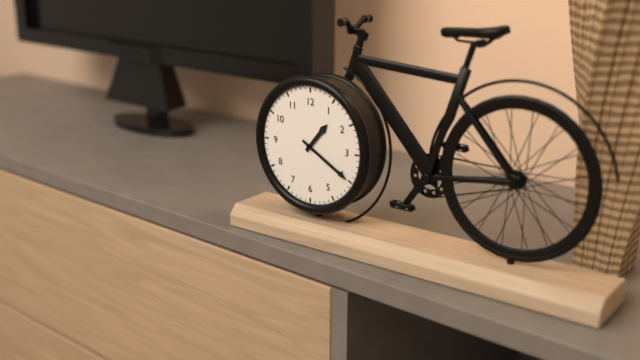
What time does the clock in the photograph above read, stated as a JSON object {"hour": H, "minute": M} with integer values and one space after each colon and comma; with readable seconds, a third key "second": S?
{"hour": 1, "minute": 20}
